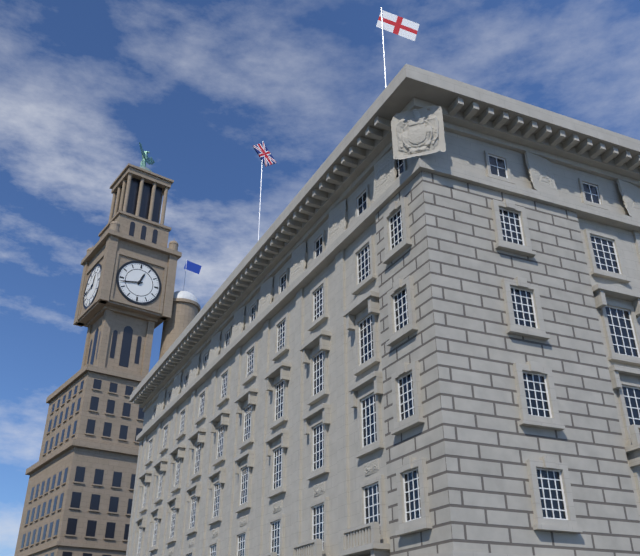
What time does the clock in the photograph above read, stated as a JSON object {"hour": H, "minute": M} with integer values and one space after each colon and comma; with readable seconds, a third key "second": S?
{"hour": 12, "minute": 43}
